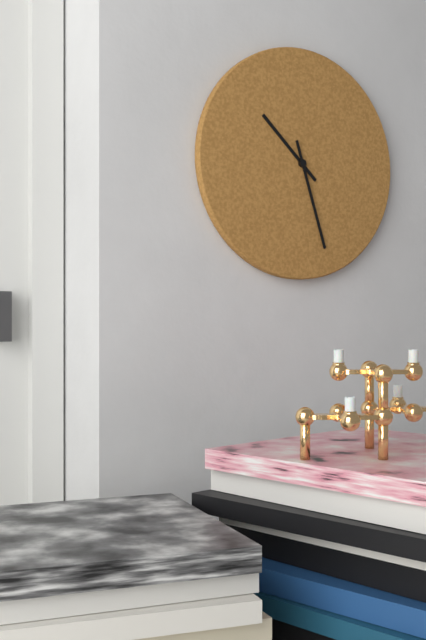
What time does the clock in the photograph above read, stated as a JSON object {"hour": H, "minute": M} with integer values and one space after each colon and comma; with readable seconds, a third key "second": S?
{"hour": 10, "minute": 27}
